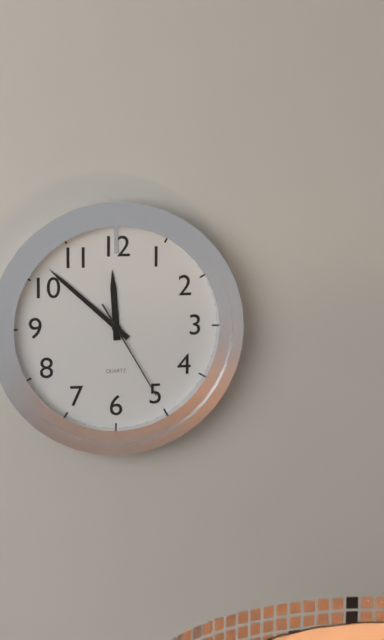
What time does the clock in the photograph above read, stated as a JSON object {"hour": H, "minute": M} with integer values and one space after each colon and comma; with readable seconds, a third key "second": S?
{"hour": 11, "minute": 52, "second": 25}
